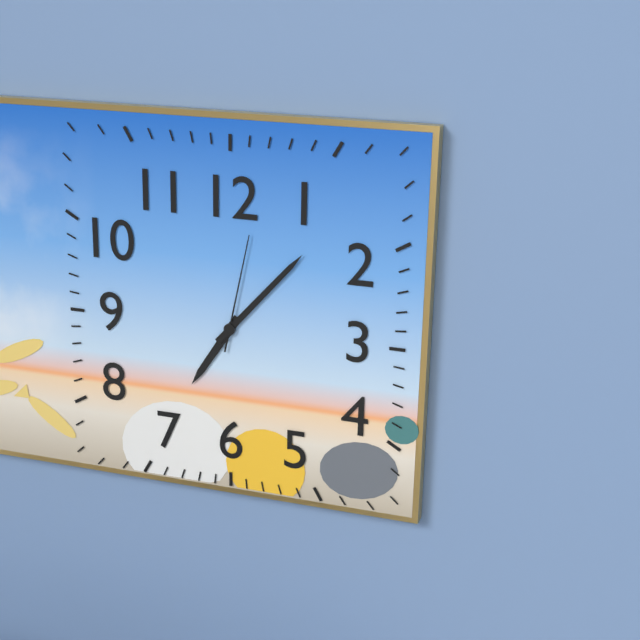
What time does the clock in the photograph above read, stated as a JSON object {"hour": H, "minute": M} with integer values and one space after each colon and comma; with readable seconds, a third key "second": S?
{"hour": 7, "minute": 7, "second": 2}
